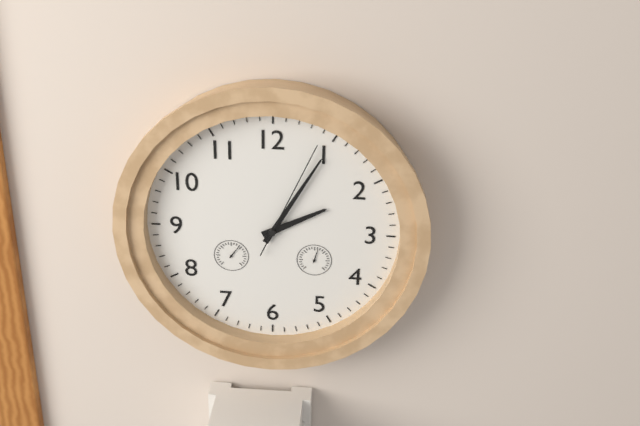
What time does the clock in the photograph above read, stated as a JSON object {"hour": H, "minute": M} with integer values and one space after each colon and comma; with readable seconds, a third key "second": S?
{"hour": 2, "minute": 5, "second": 4}
